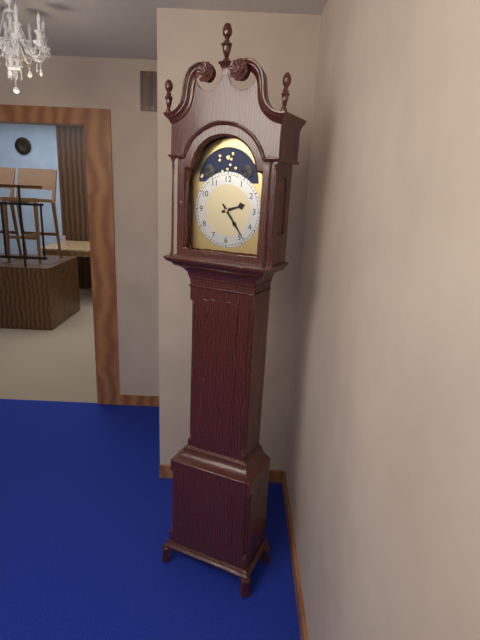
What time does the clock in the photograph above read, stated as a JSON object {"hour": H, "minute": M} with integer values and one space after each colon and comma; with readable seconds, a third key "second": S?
{"hour": 2, "minute": 24}
